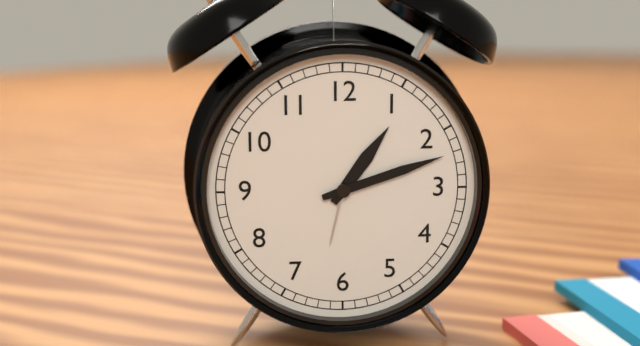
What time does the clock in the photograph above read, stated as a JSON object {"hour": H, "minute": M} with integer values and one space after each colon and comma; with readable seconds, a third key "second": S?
{"hour": 1, "minute": 12}
